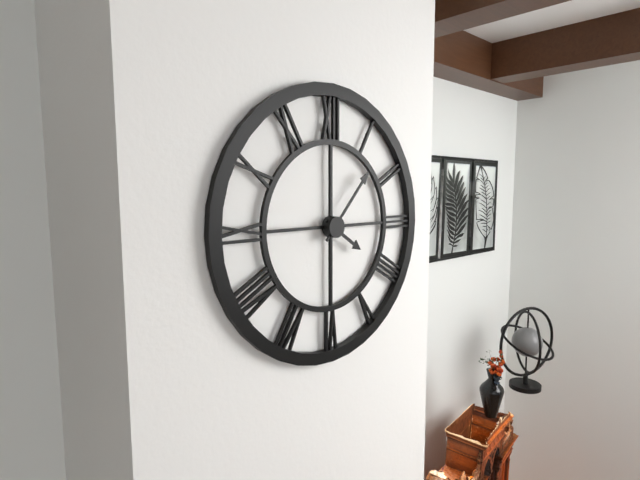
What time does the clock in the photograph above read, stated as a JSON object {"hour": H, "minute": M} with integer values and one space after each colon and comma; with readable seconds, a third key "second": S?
{"hour": 4, "minute": 7}
